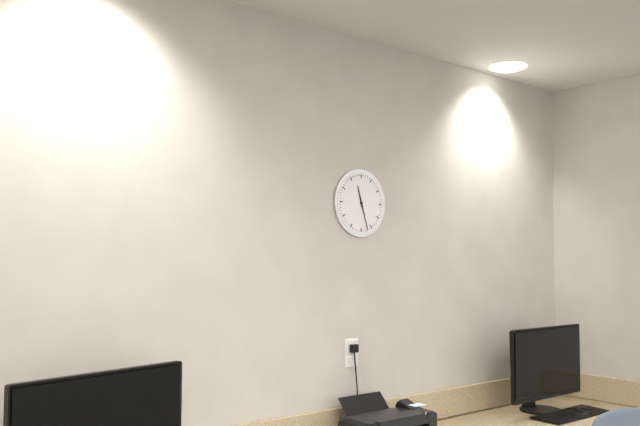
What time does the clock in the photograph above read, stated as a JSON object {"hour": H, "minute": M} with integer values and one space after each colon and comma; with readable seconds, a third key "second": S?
{"hour": 11, "minute": 27}
